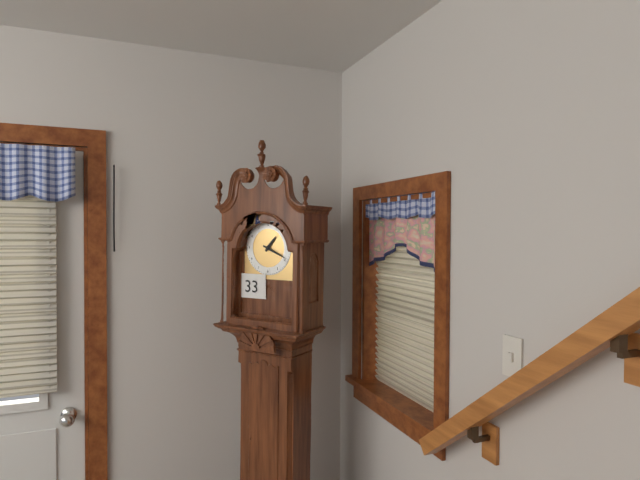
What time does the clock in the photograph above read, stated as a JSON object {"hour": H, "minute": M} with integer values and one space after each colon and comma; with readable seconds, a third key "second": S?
{"hour": 1, "minute": 19}
